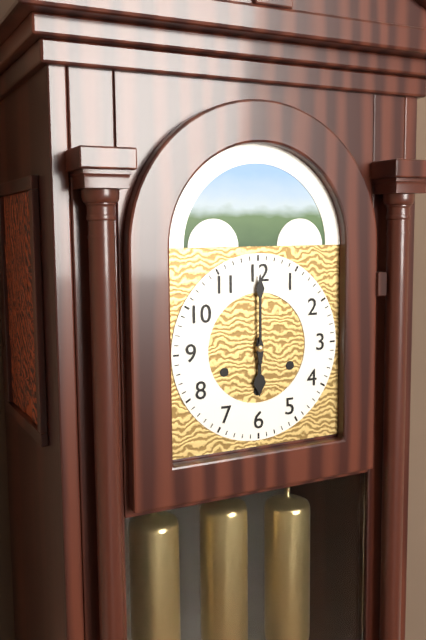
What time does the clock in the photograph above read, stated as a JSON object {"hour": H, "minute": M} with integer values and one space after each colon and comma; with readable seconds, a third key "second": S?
{"hour": 6, "minute": 0}
